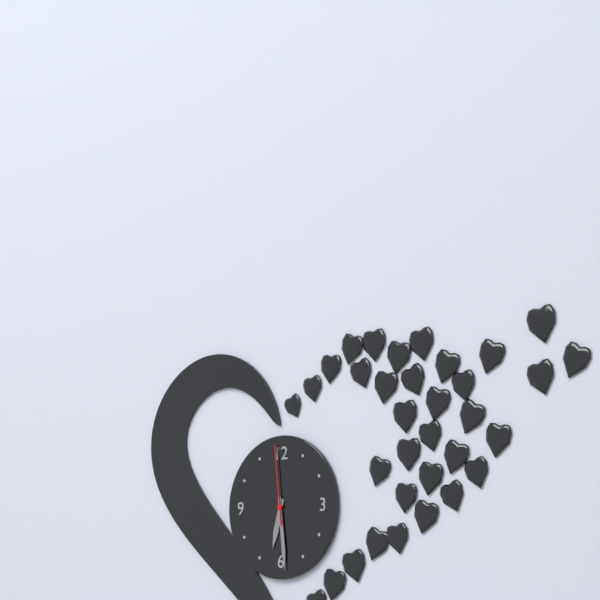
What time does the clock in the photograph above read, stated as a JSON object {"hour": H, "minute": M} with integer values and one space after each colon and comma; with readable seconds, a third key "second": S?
{"hour": 6, "minute": 29, "second": 59}
